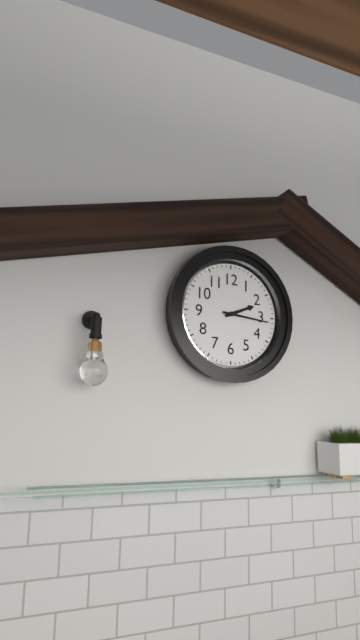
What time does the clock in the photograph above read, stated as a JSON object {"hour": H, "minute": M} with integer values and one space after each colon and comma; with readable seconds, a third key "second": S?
{"hour": 2, "minute": 16}
